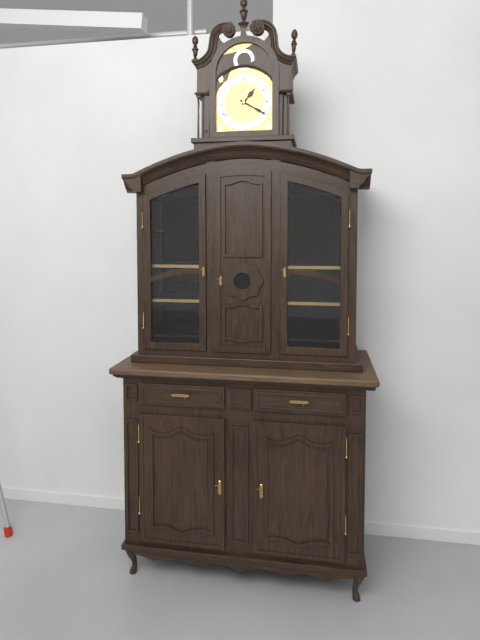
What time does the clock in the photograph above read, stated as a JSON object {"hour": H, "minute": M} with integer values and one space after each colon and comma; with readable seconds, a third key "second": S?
{"hour": 1, "minute": 20}
